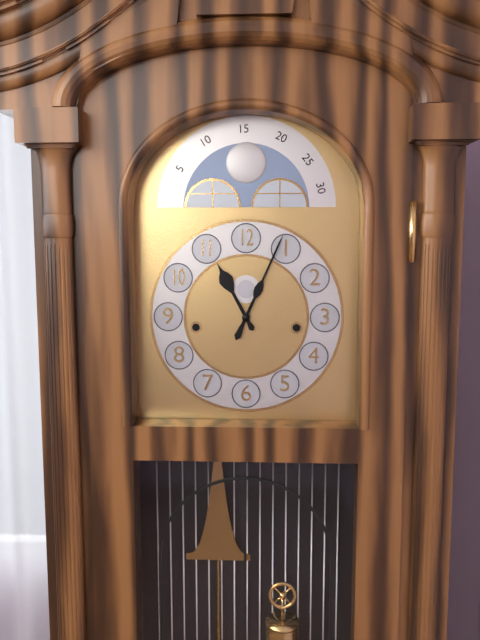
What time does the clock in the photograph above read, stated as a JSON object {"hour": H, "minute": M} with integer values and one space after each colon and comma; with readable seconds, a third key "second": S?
{"hour": 11, "minute": 4}
